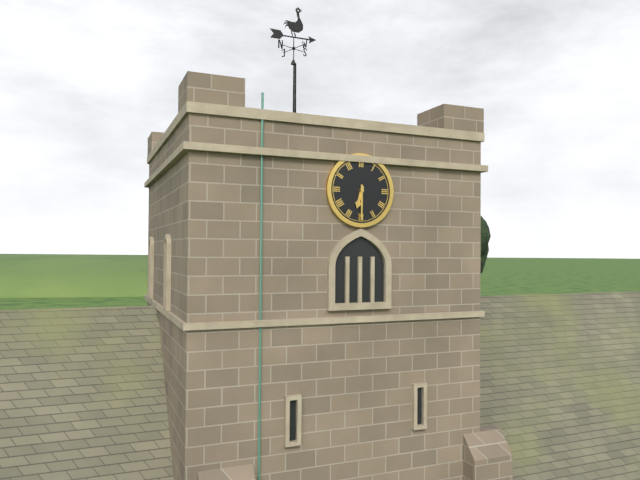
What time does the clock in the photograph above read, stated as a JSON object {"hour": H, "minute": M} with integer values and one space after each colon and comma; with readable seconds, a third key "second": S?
{"hour": 6, "minute": 30}
